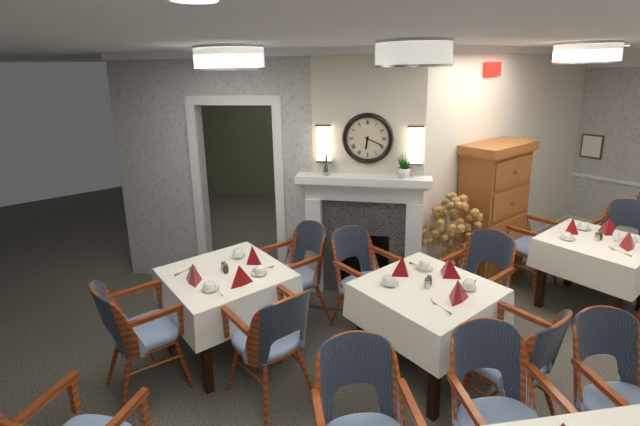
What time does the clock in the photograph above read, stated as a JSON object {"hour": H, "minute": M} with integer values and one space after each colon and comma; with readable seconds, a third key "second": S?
{"hour": 6, "minute": 19}
